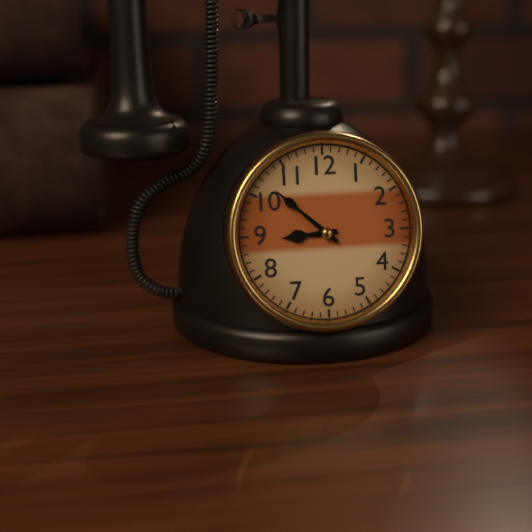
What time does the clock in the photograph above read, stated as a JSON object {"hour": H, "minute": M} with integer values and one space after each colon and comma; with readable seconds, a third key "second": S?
{"hour": 8, "minute": 52}
